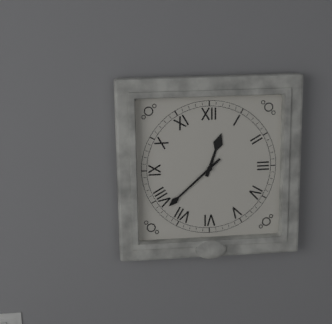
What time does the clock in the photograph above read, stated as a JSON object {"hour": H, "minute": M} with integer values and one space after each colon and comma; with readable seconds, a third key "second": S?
{"hour": 12, "minute": 38}
